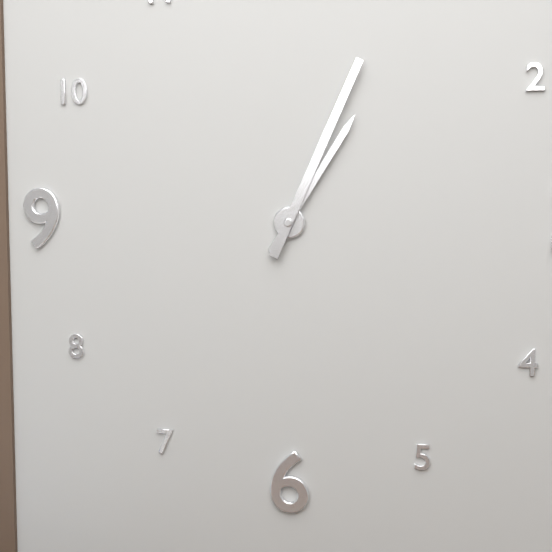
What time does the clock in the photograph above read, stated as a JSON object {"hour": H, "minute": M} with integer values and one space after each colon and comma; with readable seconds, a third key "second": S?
{"hour": 1, "minute": 4}
